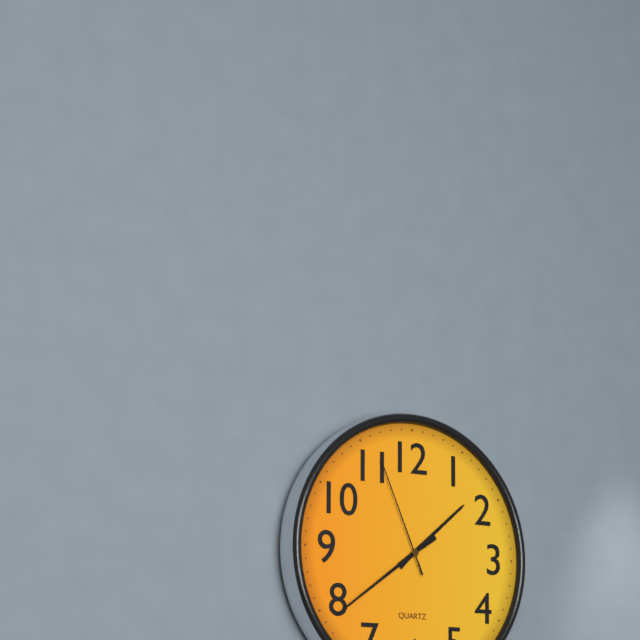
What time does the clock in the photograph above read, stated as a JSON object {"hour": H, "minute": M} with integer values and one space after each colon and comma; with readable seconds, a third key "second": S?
{"hour": 1, "minute": 39, "second": 56}
